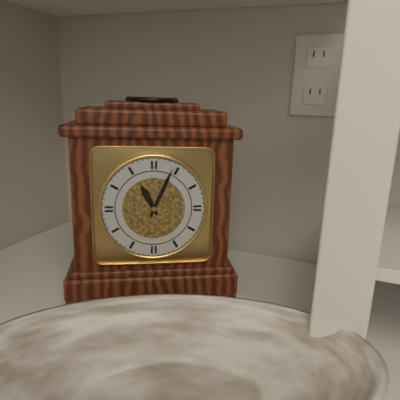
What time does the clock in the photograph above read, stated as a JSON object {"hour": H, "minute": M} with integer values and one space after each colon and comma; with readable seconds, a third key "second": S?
{"hour": 11, "minute": 4}
